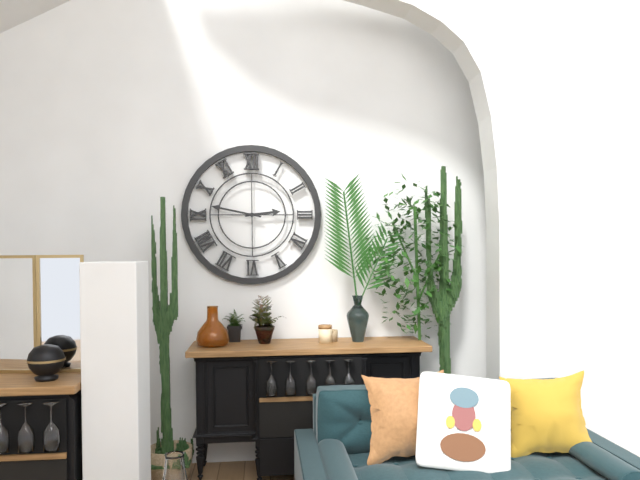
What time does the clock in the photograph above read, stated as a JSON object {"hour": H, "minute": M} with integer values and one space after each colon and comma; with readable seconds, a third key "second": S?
{"hour": 2, "minute": 47}
